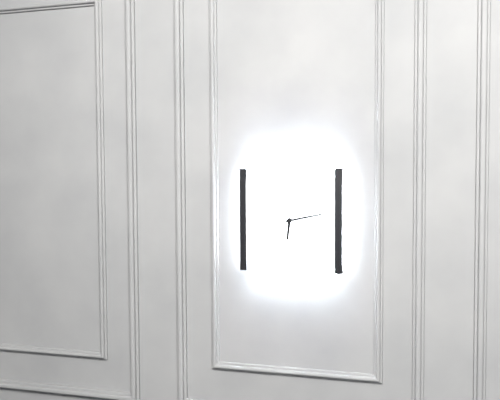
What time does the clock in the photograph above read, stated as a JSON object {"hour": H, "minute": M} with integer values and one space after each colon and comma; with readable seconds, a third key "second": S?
{"hour": 6, "minute": 13}
